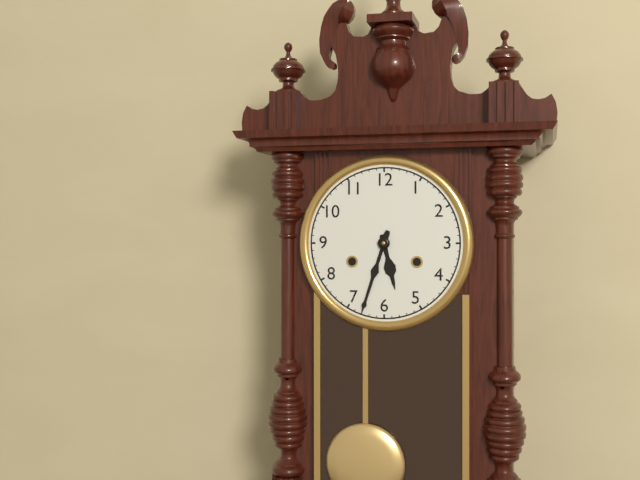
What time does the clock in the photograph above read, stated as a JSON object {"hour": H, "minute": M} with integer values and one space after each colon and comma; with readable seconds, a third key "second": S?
{"hour": 5, "minute": 33}
